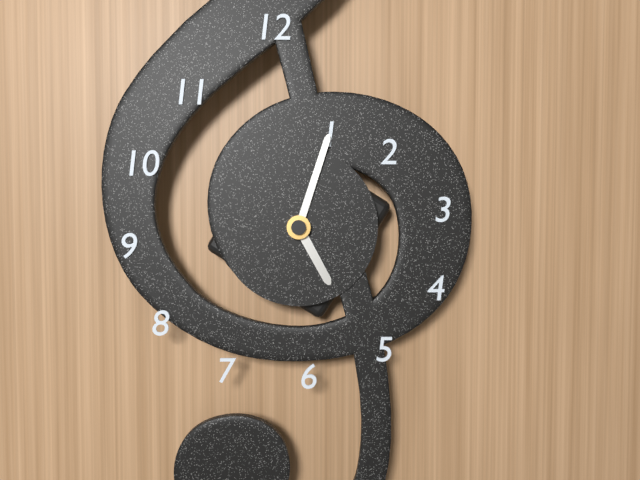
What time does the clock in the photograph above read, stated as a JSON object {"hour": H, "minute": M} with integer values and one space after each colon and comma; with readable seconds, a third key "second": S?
{"hour": 5, "minute": 3}
